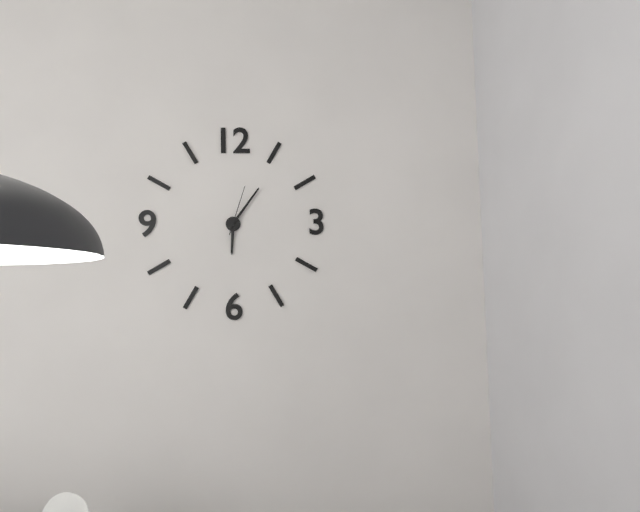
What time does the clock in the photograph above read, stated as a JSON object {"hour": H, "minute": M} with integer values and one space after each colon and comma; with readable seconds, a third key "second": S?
{"hour": 6, "minute": 6, "second": 3}
